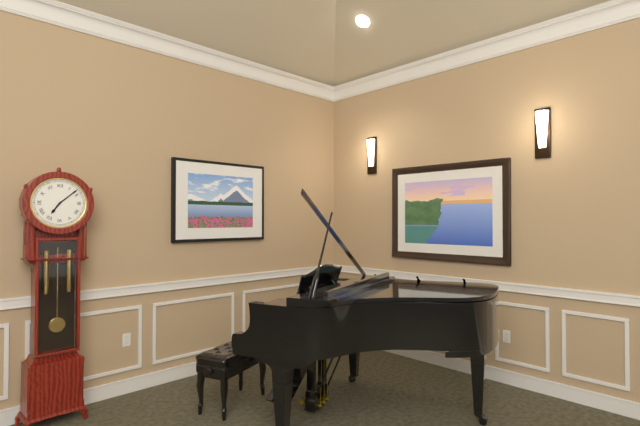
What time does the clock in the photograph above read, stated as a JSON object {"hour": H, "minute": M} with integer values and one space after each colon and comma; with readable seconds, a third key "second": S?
{"hour": 7, "minute": 8}
